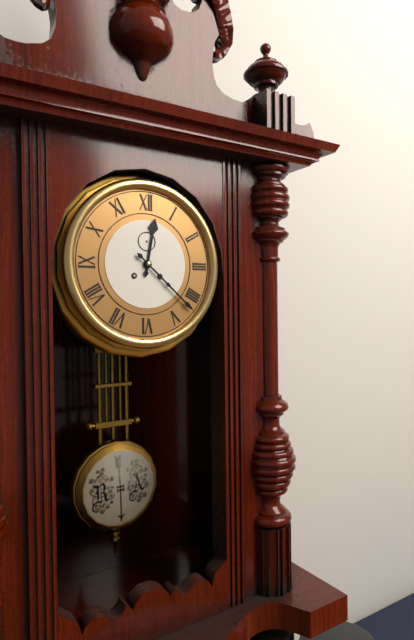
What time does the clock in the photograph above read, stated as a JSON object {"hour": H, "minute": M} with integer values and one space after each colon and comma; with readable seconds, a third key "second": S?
{"hour": 12, "minute": 22}
